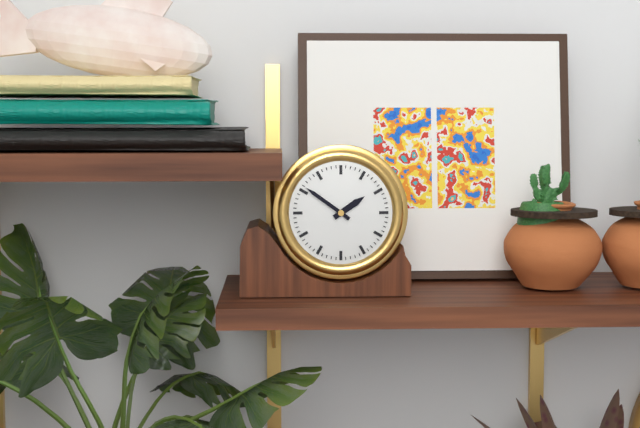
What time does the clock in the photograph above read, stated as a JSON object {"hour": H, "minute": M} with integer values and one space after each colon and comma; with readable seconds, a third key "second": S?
{"hour": 1, "minute": 51}
